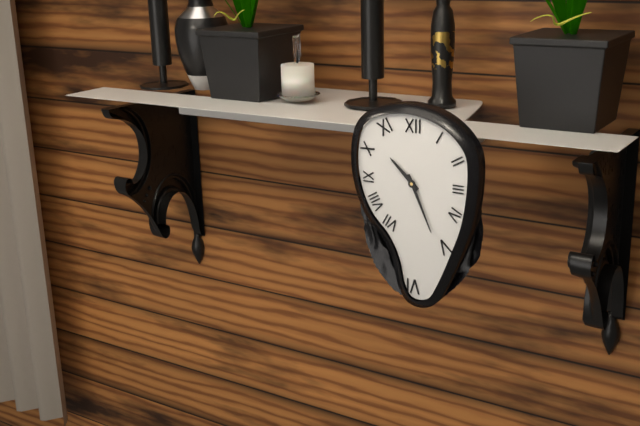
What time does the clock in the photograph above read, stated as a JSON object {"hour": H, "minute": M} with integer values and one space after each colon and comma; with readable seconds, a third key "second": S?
{"hour": 10, "minute": 26}
